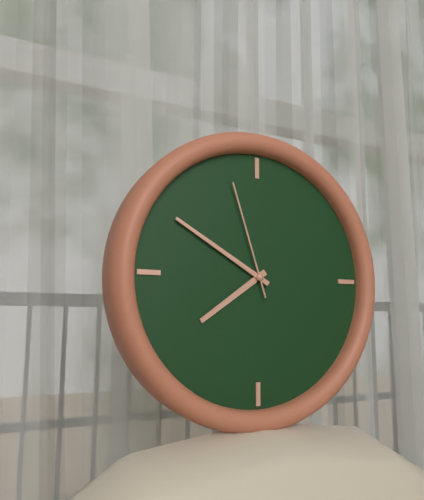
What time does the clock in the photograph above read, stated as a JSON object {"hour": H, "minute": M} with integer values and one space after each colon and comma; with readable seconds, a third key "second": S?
{"hour": 7, "minute": 50, "second": 57}
